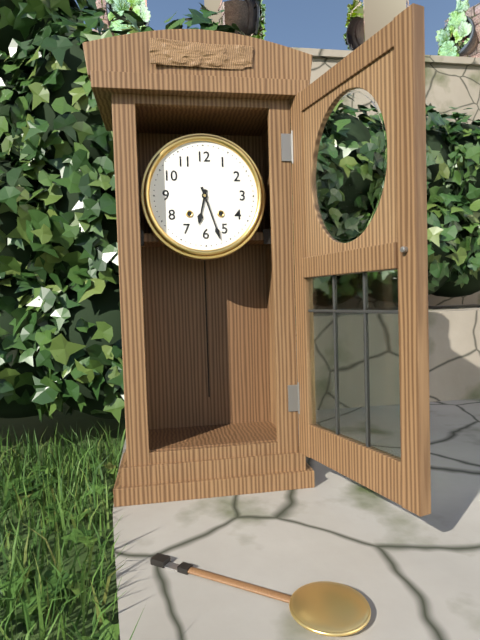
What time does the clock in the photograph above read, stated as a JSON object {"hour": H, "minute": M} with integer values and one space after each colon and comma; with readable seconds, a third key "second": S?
{"hour": 6, "minute": 27}
